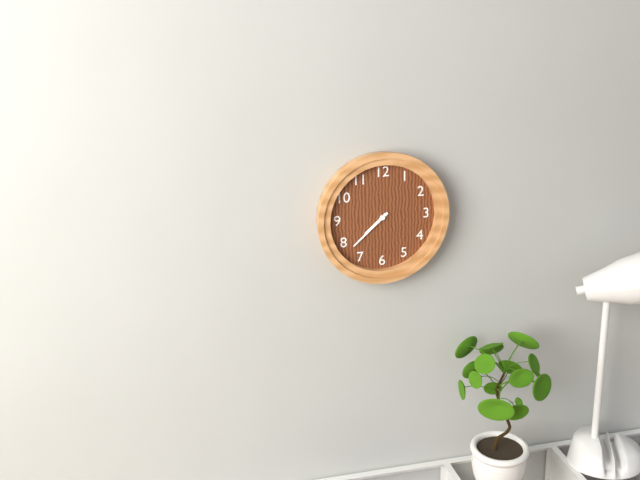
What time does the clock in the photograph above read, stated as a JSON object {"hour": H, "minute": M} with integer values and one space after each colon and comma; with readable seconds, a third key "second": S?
{"hour": 7, "minute": 38}
